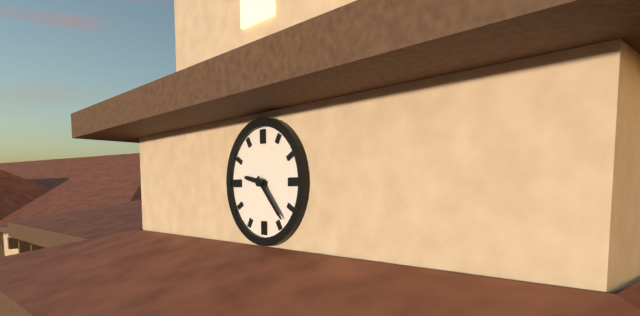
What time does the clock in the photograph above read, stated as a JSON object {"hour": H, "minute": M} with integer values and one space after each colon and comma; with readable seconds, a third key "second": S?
{"hour": 9, "minute": 23}
